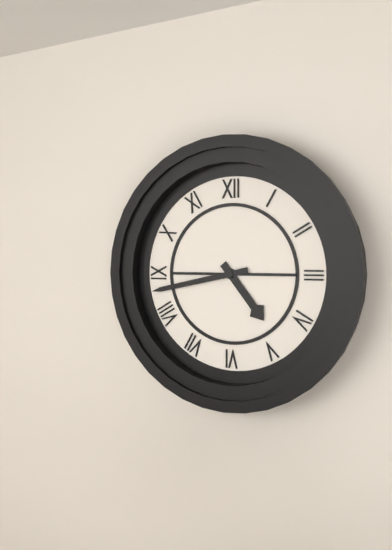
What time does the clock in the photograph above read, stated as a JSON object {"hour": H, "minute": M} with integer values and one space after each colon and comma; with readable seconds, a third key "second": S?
{"hour": 4, "minute": 43}
